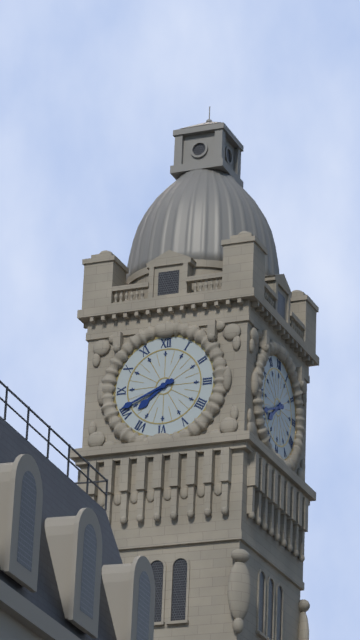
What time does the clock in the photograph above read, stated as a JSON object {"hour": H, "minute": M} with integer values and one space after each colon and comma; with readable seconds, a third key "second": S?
{"hour": 7, "minute": 41}
